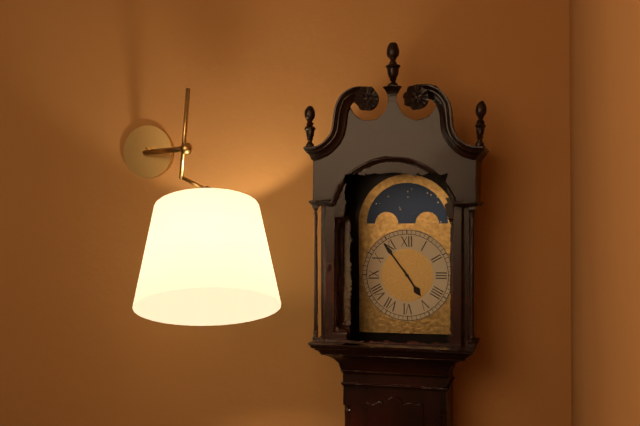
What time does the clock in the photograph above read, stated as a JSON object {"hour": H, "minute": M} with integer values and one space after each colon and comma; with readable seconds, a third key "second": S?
{"hour": 4, "minute": 54}
